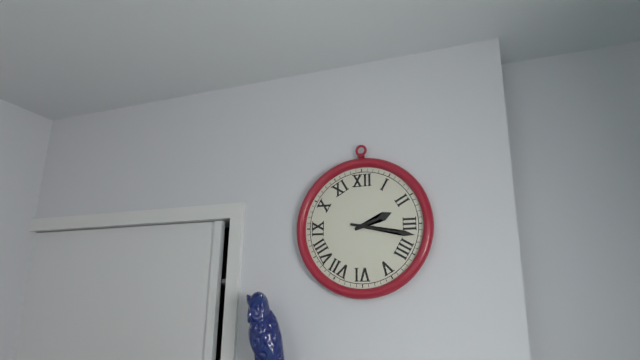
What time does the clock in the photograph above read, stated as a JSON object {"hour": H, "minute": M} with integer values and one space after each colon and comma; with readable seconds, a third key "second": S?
{"hour": 2, "minute": 17}
